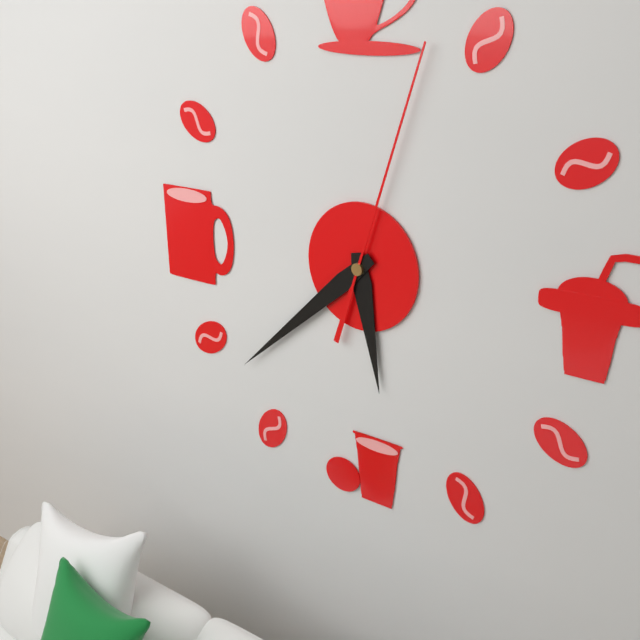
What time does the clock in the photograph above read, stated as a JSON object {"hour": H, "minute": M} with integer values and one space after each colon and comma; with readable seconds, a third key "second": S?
{"hour": 5, "minute": 38, "second": 3}
